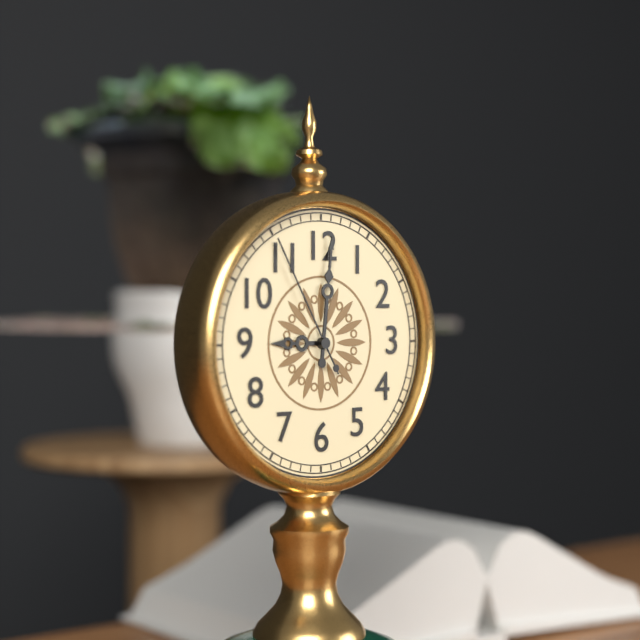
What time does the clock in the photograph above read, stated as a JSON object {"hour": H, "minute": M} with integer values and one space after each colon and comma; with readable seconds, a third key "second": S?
{"hour": 9, "minute": 1, "second": 55}
